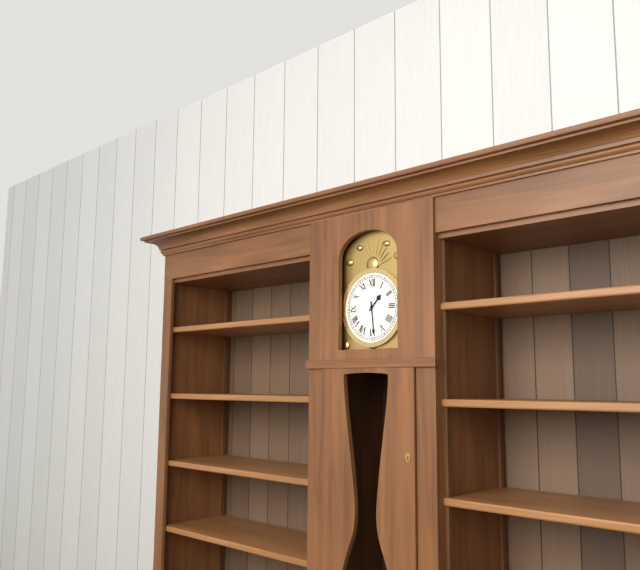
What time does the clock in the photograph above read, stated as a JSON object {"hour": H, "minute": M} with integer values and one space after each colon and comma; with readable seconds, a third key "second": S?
{"hour": 1, "minute": 29}
